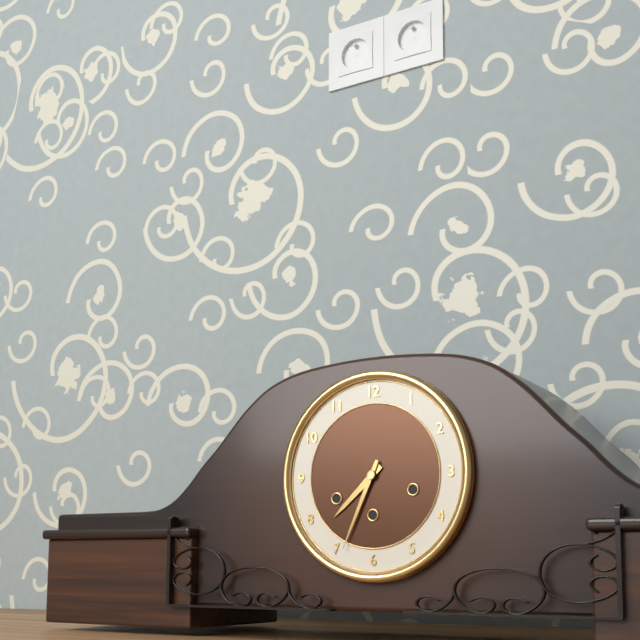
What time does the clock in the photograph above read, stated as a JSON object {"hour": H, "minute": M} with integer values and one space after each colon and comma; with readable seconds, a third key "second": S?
{"hour": 7, "minute": 34}
